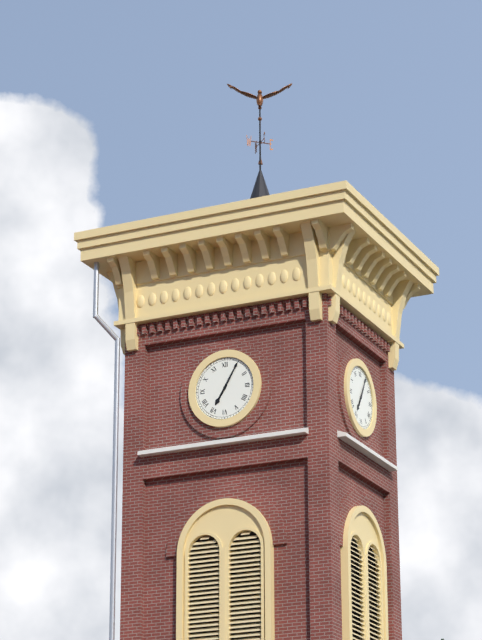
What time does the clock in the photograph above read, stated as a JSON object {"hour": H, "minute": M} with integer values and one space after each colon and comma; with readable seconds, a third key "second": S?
{"hour": 7, "minute": 5}
